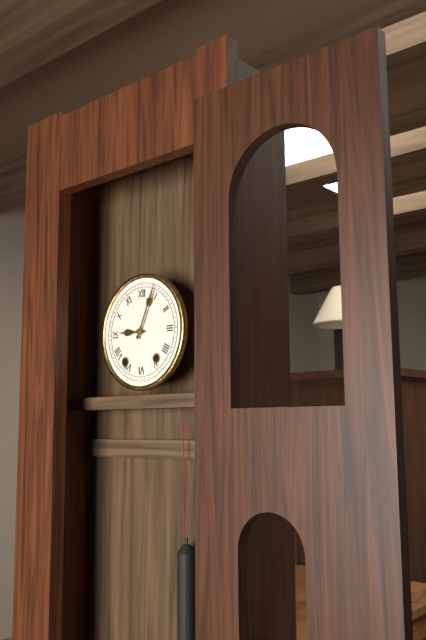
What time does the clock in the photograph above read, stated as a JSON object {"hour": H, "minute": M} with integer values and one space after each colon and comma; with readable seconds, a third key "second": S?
{"hour": 9, "minute": 4}
